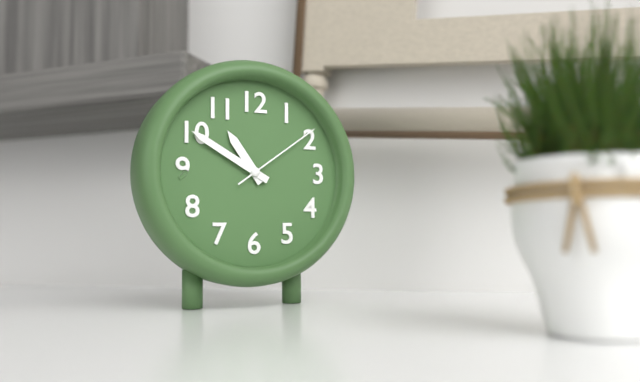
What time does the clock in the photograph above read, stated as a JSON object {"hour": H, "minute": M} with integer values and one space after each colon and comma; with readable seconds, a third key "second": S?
{"hour": 10, "minute": 50, "second": 9}
